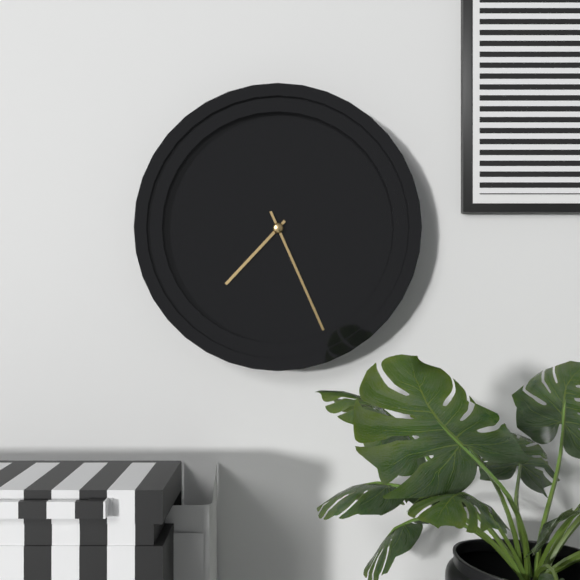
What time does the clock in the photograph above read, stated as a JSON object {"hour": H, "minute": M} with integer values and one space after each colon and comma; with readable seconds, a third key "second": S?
{"hour": 7, "minute": 26}
